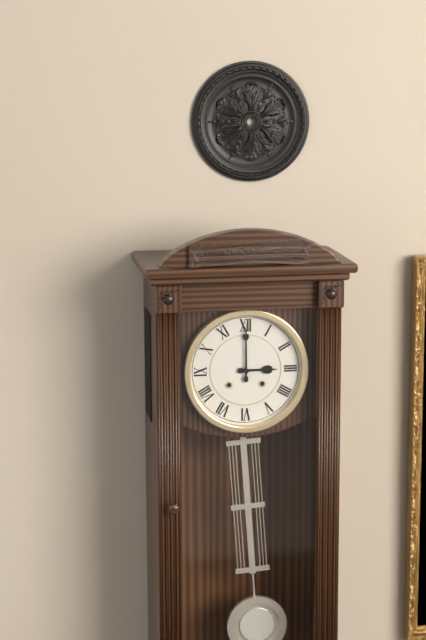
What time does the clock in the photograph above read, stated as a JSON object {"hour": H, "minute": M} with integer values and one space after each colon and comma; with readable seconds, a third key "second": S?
{"hour": 3, "minute": 0}
